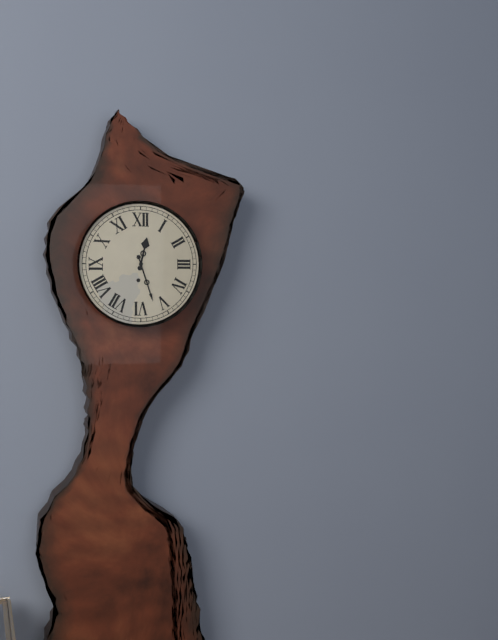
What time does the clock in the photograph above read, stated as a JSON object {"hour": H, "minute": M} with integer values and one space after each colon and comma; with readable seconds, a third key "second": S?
{"hour": 12, "minute": 27}
